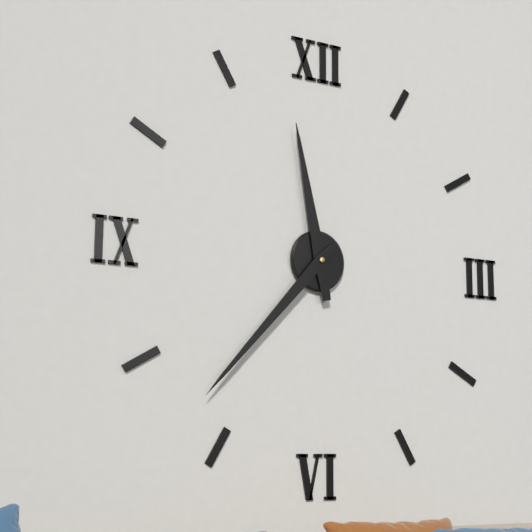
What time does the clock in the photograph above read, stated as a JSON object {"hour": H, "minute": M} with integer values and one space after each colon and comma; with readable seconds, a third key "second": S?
{"hour": 11, "minute": 37}
